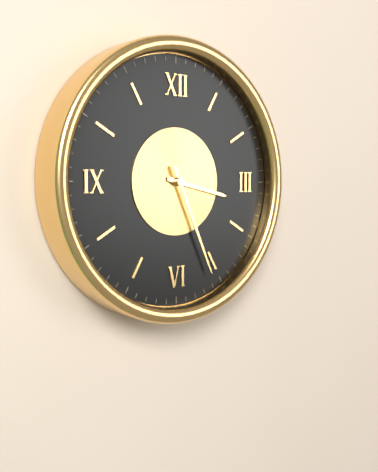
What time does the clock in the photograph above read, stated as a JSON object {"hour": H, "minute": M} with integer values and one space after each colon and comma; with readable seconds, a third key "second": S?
{"hour": 3, "minute": 26}
